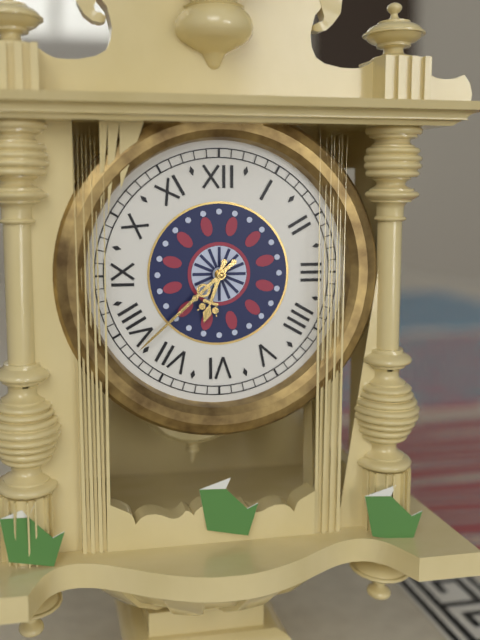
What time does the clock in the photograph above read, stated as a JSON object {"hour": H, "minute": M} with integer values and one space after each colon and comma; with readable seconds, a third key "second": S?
{"hour": 6, "minute": 38}
